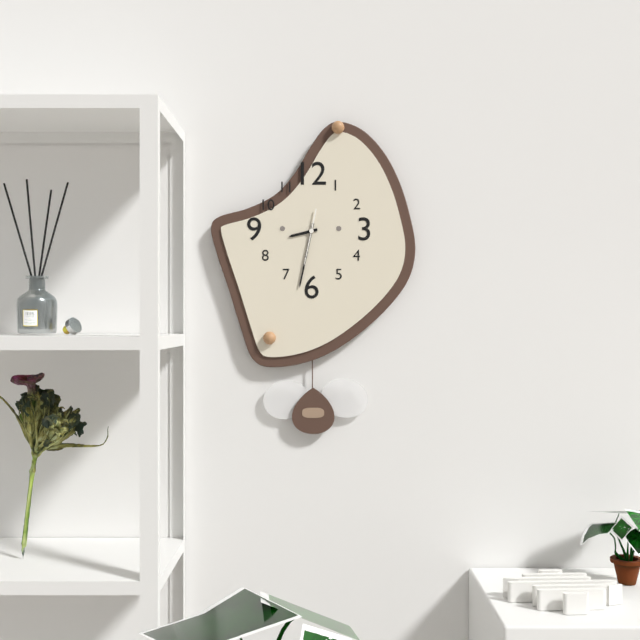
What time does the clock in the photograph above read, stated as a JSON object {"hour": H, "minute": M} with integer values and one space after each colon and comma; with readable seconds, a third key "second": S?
{"hour": 8, "minute": 32}
